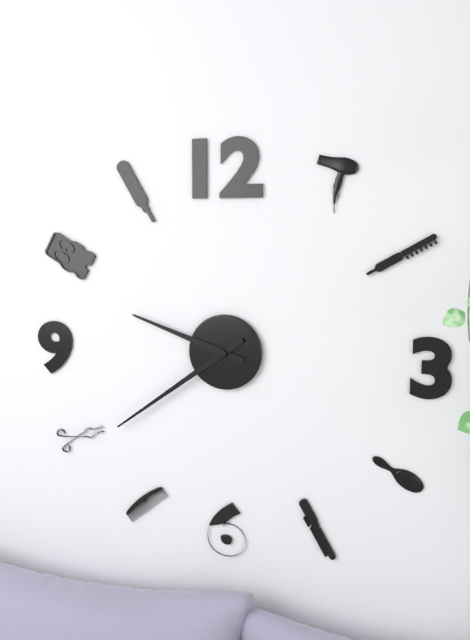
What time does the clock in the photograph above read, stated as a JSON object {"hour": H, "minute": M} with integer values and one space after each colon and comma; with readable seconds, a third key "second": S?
{"hour": 9, "minute": 39}
